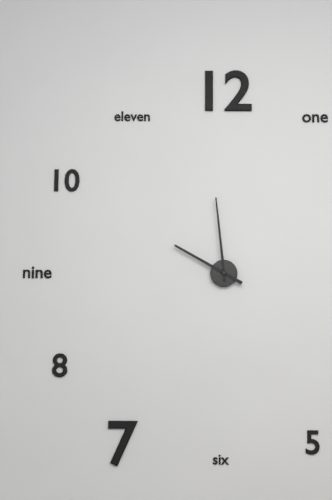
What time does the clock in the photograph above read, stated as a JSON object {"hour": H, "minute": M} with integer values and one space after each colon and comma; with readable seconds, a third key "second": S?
{"hour": 9, "minute": 59}
